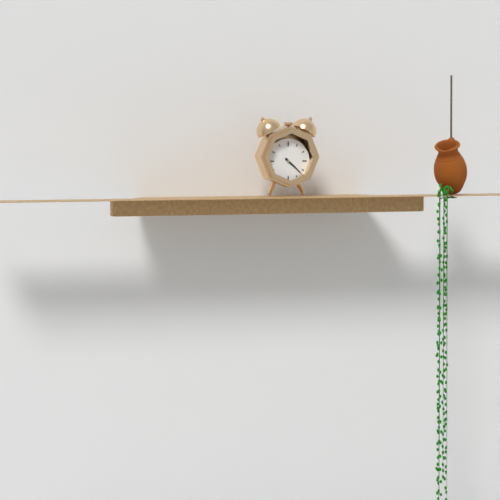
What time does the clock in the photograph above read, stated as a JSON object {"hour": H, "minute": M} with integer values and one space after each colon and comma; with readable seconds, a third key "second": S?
{"hour": 4, "minute": 22}
